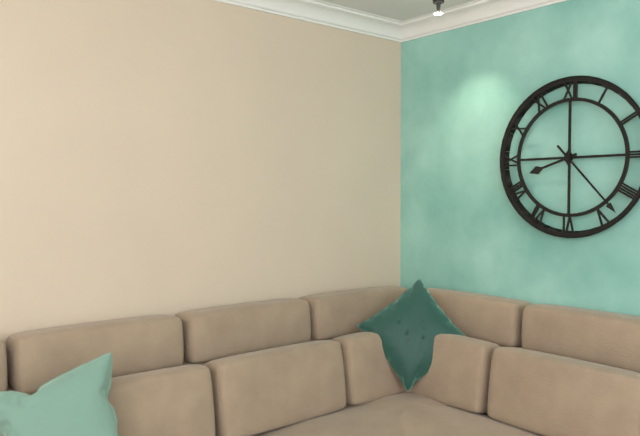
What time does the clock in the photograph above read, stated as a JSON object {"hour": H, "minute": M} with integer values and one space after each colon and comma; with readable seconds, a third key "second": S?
{"hour": 8, "minute": 23}
